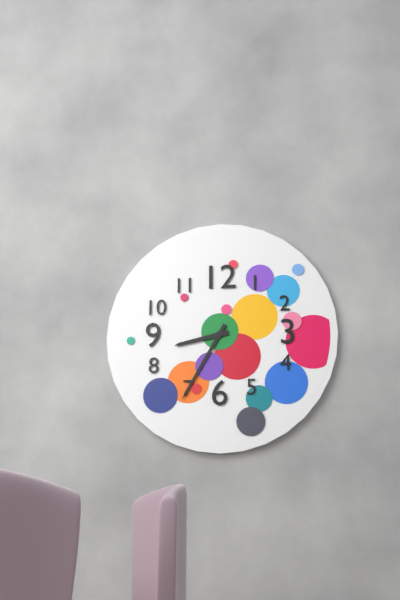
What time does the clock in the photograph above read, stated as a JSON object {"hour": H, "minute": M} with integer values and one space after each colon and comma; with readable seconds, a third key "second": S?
{"hour": 8, "minute": 35}
